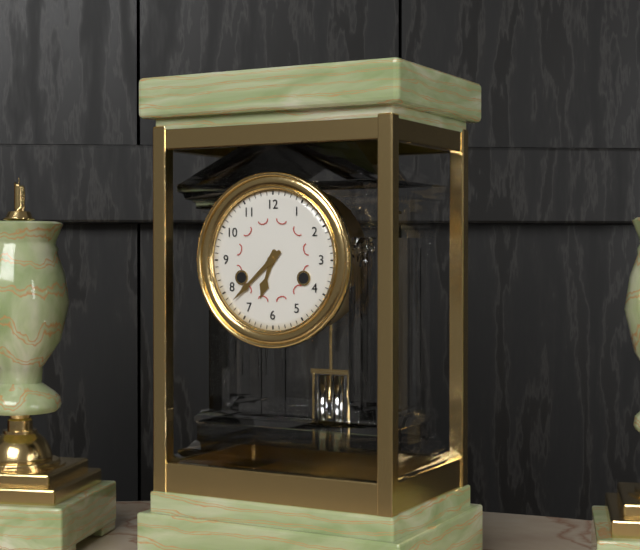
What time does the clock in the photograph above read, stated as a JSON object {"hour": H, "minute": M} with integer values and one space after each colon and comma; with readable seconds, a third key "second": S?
{"hour": 6, "minute": 38}
